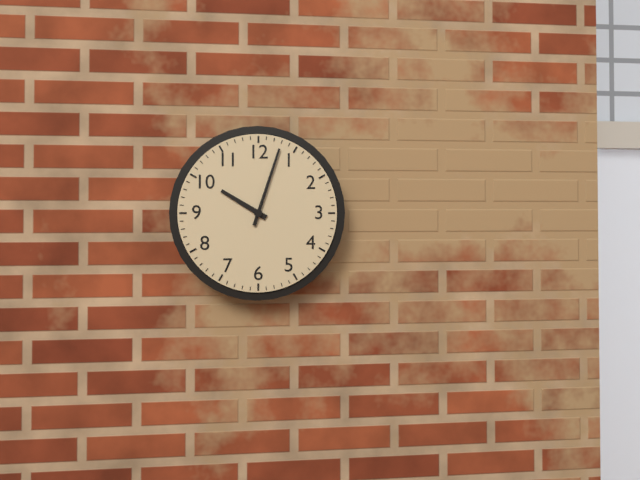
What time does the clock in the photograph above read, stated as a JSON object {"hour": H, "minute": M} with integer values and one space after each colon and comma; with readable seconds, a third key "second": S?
{"hour": 10, "minute": 3}
